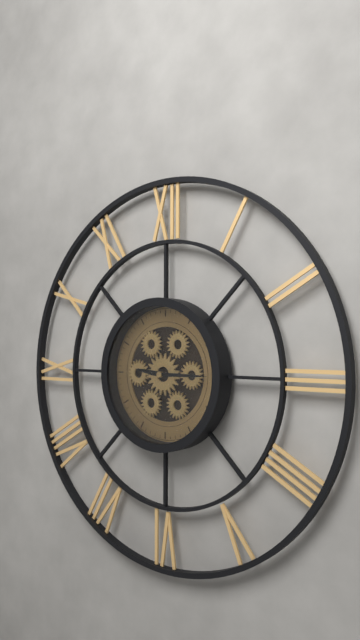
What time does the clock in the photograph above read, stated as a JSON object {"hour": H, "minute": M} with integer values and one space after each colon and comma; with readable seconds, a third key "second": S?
{"hour": 9, "minute": 15}
